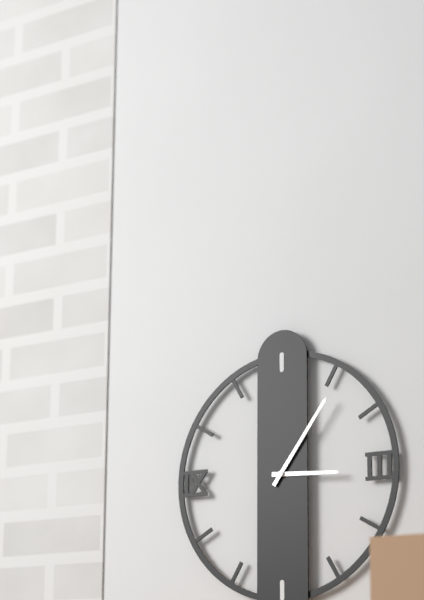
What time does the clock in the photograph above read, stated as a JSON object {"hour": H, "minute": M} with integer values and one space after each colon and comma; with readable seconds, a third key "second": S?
{"hour": 3, "minute": 6}
